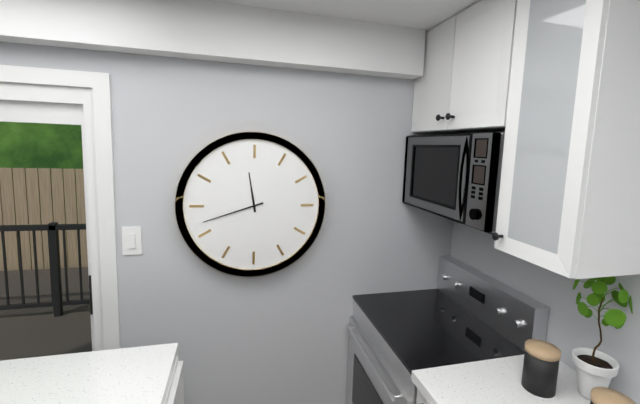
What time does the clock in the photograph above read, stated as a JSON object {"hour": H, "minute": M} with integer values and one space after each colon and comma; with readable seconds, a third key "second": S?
{"hour": 11, "minute": 42}
